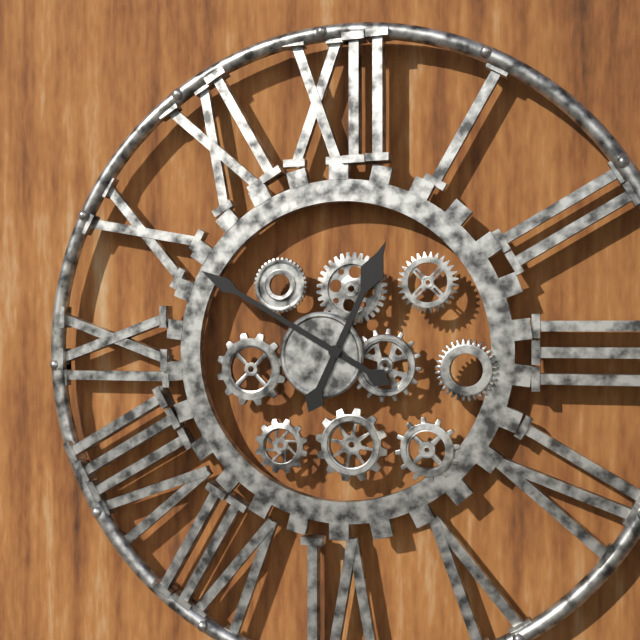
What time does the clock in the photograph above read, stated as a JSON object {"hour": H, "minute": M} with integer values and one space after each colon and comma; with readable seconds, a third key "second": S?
{"hour": 12, "minute": 50}
